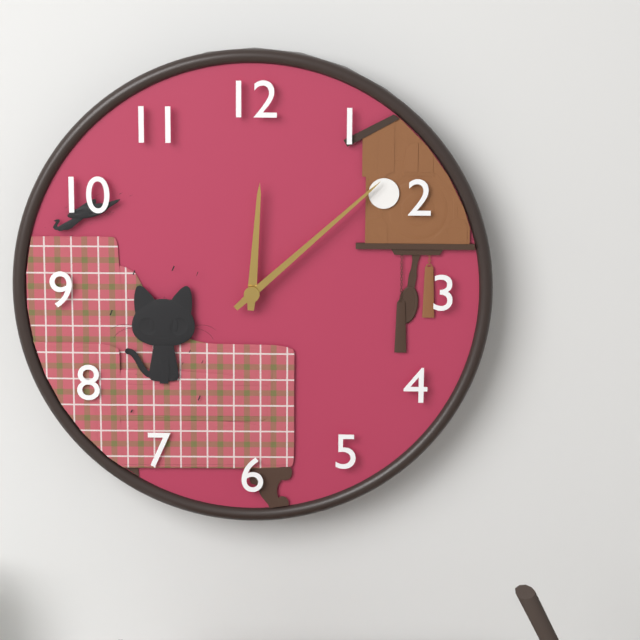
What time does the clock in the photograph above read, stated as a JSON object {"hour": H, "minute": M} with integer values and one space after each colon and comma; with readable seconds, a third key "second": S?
{"hour": 12, "minute": 8}
